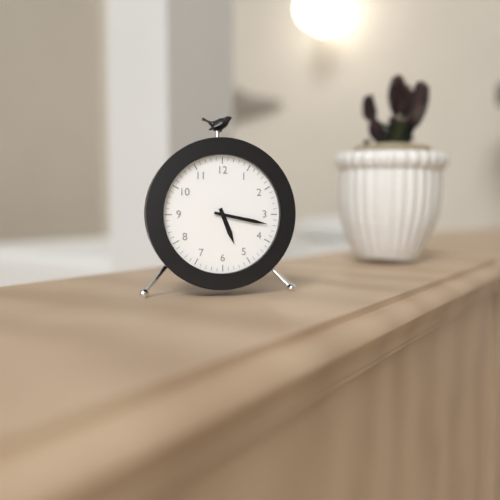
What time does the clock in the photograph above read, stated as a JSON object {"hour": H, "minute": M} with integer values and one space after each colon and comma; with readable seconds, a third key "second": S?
{"hour": 5, "minute": 17}
